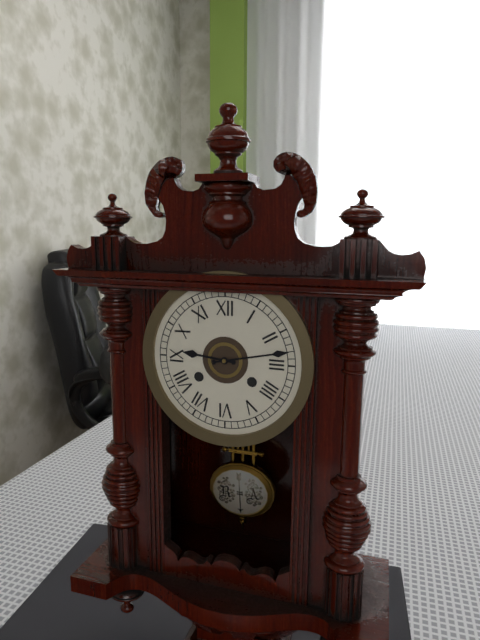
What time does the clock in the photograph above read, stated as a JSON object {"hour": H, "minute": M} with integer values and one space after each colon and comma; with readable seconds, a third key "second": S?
{"hour": 9, "minute": 13}
